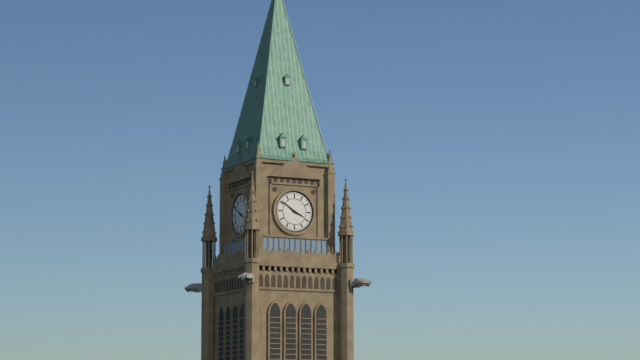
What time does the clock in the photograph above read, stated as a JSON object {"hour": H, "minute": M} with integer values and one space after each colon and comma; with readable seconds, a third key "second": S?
{"hour": 3, "minute": 51}
